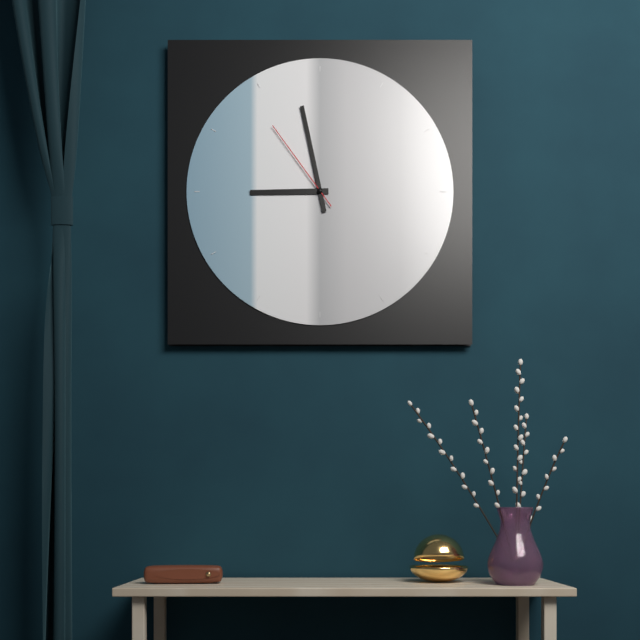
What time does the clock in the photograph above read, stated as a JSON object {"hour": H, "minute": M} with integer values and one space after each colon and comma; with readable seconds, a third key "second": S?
{"hour": 8, "minute": 58, "second": 54}
